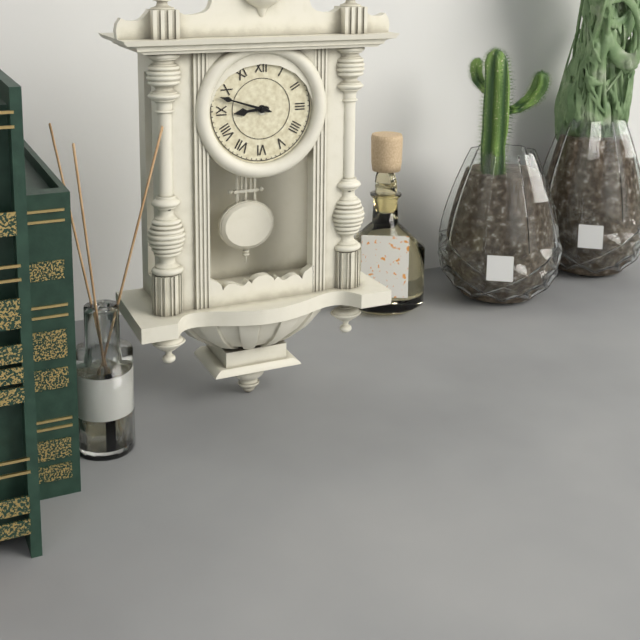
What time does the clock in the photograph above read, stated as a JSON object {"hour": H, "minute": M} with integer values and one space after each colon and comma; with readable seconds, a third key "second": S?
{"hour": 8, "minute": 48}
